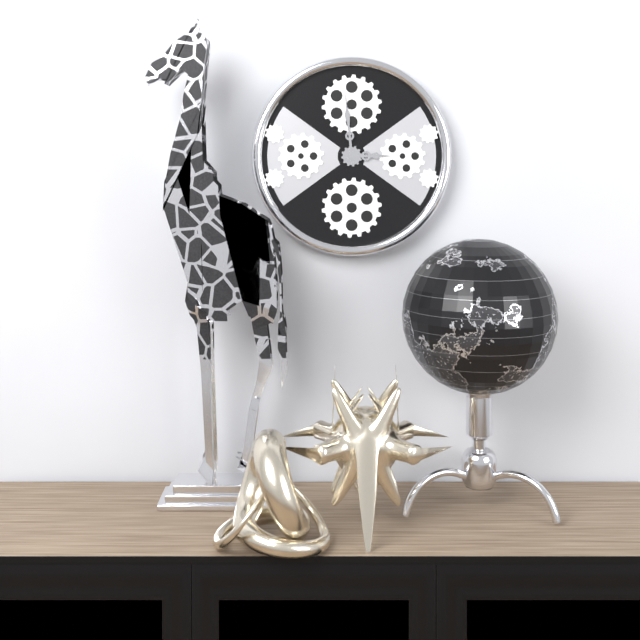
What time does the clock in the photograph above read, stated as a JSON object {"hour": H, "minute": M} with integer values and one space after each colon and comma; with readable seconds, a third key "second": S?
{"hour": 2, "minute": 59}
